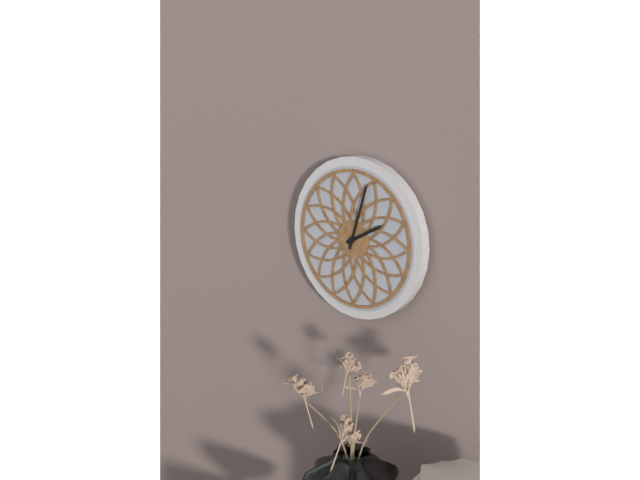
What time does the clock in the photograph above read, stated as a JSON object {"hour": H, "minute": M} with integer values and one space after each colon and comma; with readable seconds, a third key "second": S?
{"hour": 2, "minute": 3}
